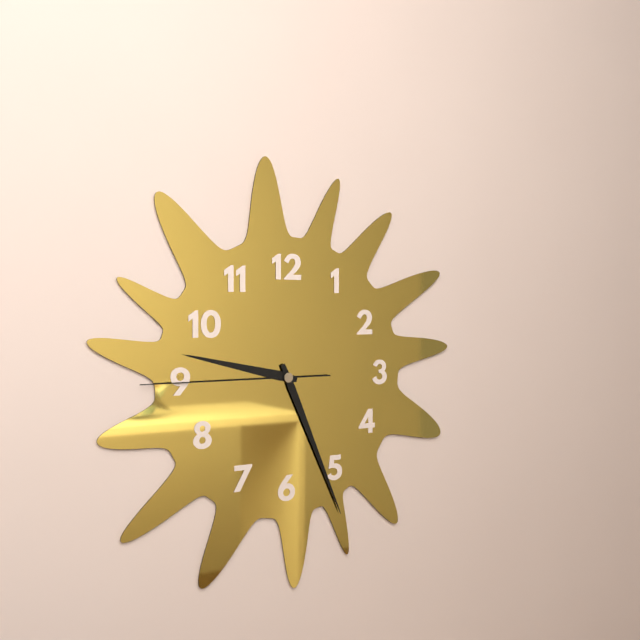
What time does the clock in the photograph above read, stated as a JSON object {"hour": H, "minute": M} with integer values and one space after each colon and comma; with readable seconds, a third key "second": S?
{"hour": 9, "minute": 26, "second": 45}
